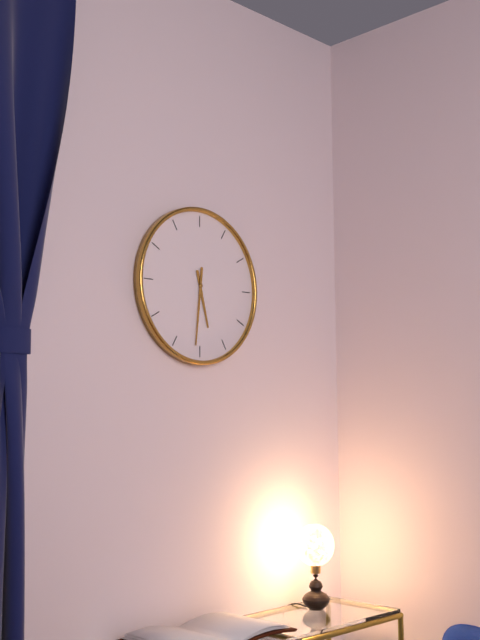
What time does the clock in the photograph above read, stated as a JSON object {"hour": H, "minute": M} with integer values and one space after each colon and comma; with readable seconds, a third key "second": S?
{"hour": 5, "minute": 31}
